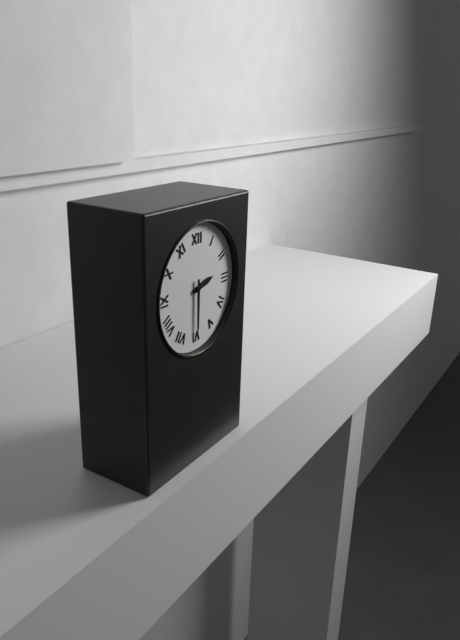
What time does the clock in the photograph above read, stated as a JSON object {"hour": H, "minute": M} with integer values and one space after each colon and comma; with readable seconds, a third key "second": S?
{"hour": 2, "minute": 30}
